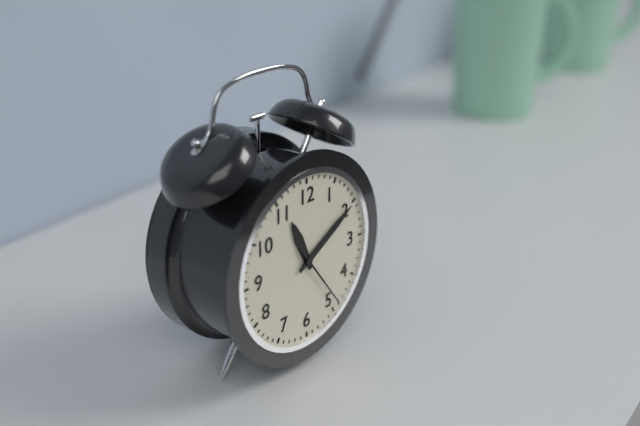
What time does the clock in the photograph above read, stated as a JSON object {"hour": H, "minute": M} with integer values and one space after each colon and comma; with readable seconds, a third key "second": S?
{"hour": 11, "minute": 10, "second": 24}
